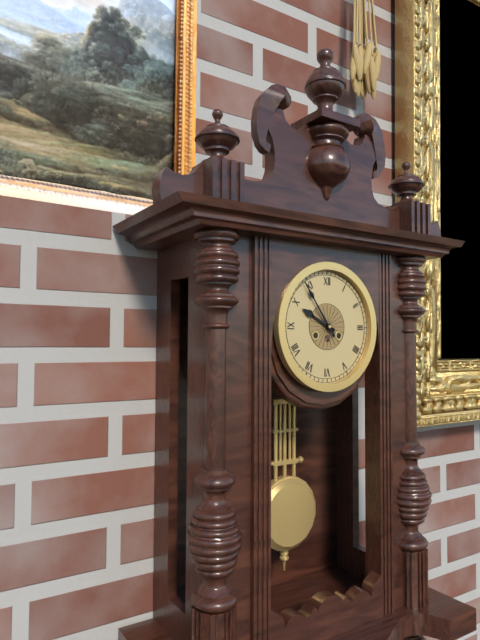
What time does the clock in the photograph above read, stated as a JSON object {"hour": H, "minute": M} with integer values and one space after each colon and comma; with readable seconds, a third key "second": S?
{"hour": 9, "minute": 54}
